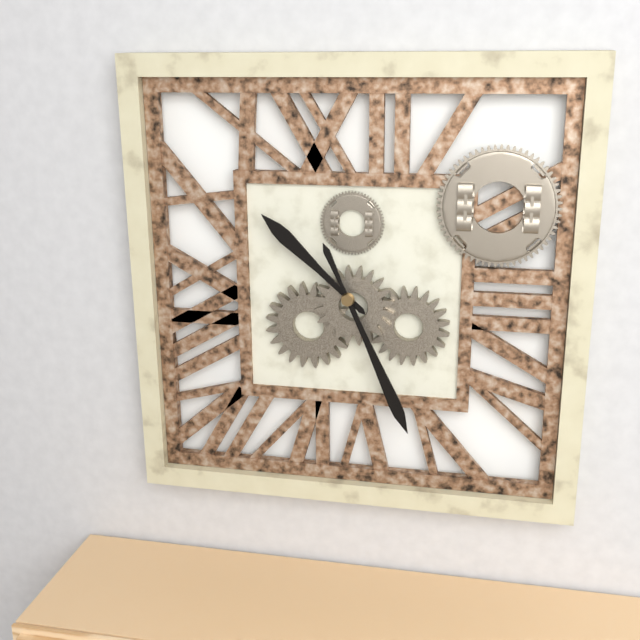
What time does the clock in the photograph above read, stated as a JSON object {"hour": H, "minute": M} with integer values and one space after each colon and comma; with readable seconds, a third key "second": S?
{"hour": 10, "minute": 26}
